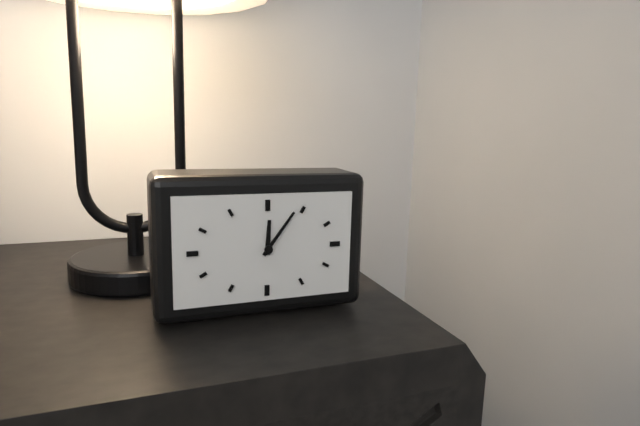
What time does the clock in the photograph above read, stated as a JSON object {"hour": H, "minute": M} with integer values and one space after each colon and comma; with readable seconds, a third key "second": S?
{"hour": 12, "minute": 6}
